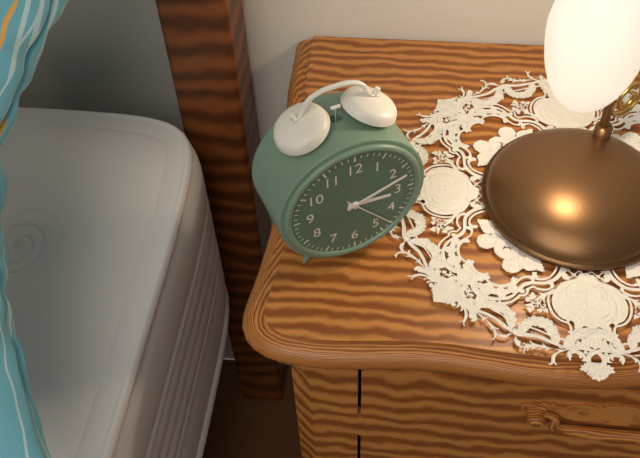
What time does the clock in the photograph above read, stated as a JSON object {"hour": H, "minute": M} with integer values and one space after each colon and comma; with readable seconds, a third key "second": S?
{"hour": 3, "minute": 12, "second": 23}
